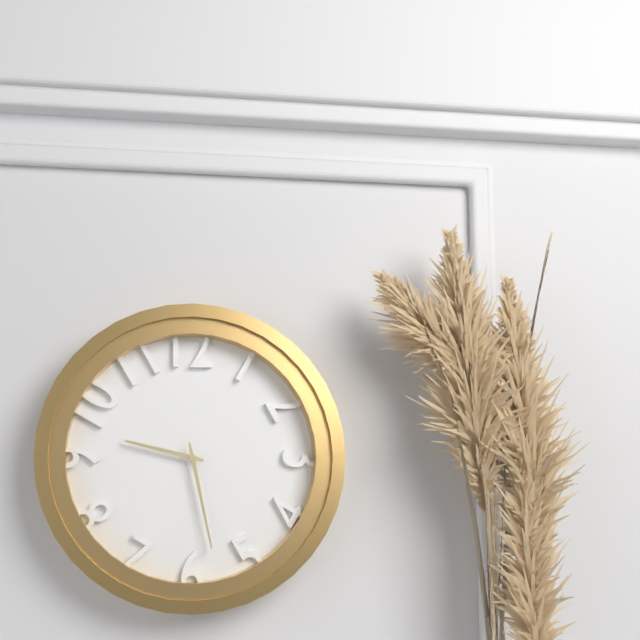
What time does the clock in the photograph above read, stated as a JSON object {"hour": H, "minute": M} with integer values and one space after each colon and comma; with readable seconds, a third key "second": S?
{"hour": 9, "minute": 28}
